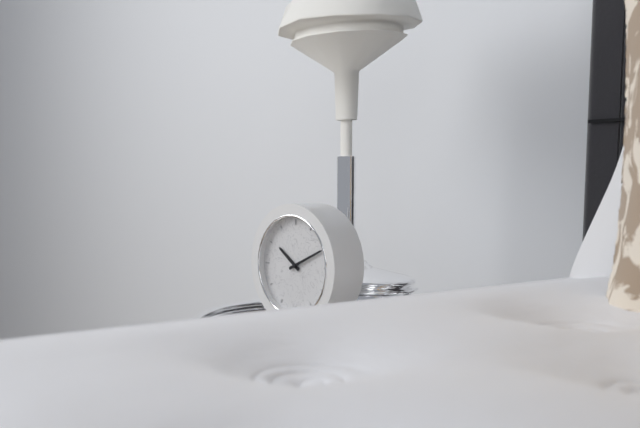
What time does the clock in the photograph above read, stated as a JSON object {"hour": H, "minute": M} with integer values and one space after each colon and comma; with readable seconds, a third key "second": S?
{"hour": 10, "minute": 11}
